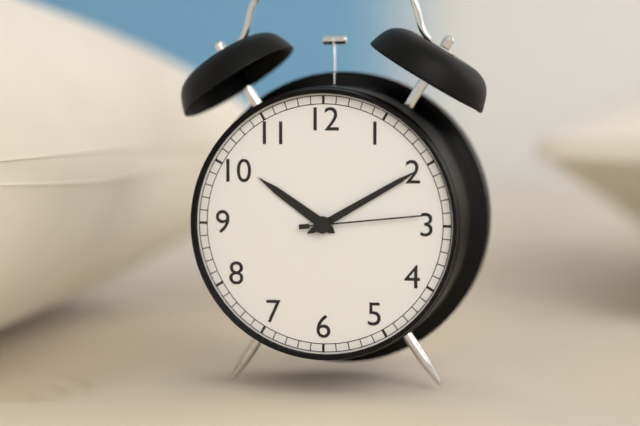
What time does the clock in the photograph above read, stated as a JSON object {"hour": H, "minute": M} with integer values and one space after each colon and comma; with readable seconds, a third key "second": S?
{"hour": 10, "minute": 10, "second": 14}
